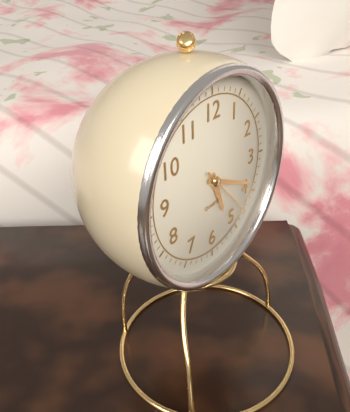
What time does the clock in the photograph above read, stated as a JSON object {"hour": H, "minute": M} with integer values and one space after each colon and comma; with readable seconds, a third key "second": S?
{"hour": 5, "minute": 19, "second": 23}
